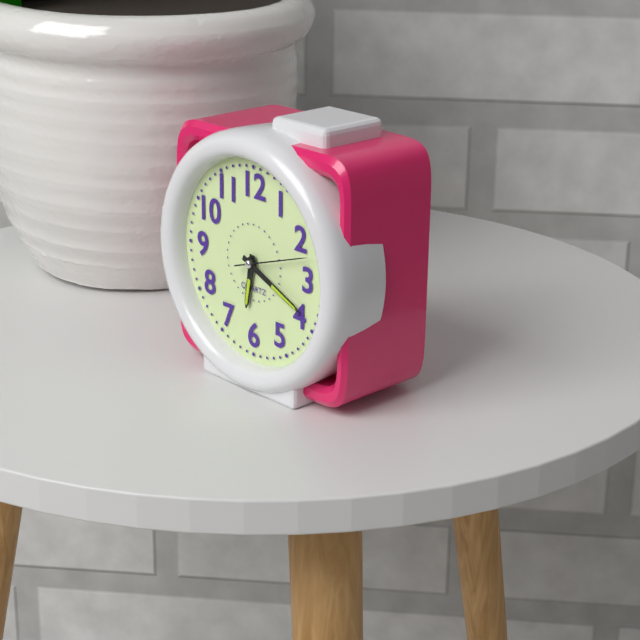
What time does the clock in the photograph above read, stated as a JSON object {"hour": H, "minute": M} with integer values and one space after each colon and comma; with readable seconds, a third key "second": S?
{"hour": 6, "minute": 19, "second": 12}
